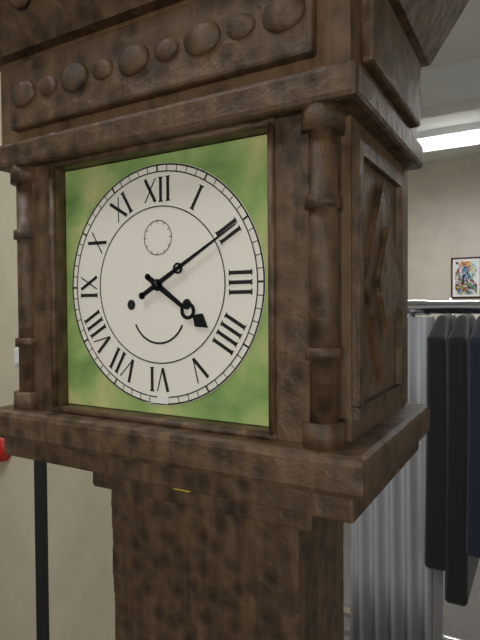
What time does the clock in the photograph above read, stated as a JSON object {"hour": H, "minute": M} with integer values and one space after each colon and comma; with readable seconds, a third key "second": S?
{"hour": 4, "minute": 10}
